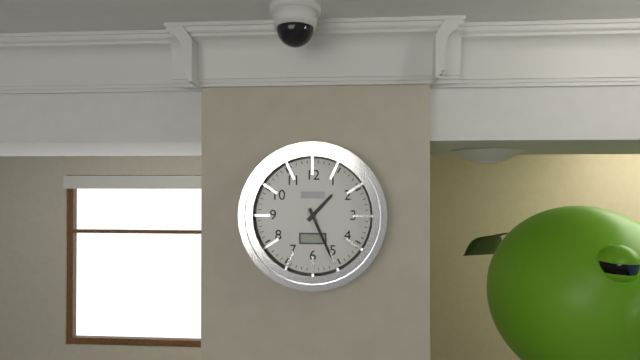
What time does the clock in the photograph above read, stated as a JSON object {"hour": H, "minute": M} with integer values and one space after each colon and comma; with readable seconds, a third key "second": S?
{"hour": 1, "minute": 26}
